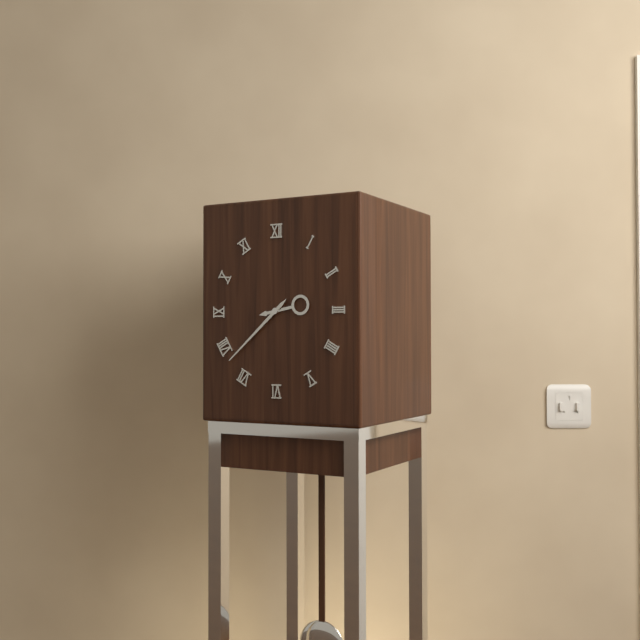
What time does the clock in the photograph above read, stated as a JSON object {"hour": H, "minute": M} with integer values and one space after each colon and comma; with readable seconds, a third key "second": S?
{"hour": 2, "minute": 38}
